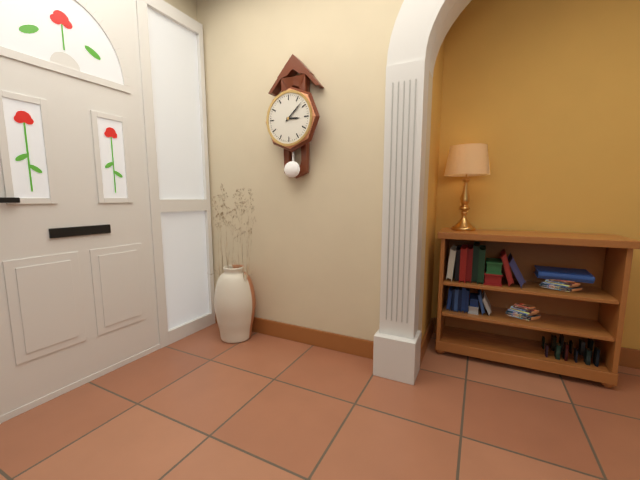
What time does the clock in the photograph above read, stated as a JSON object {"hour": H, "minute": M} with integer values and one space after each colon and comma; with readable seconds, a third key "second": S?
{"hour": 3, "minute": 8}
